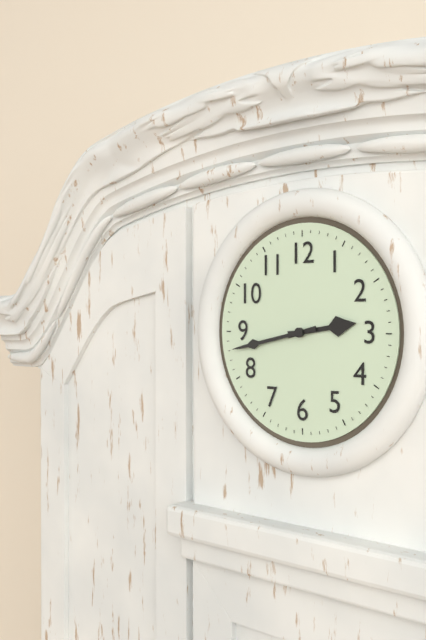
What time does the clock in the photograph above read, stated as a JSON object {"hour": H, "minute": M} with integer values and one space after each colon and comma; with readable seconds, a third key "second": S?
{"hour": 2, "minute": 43}
